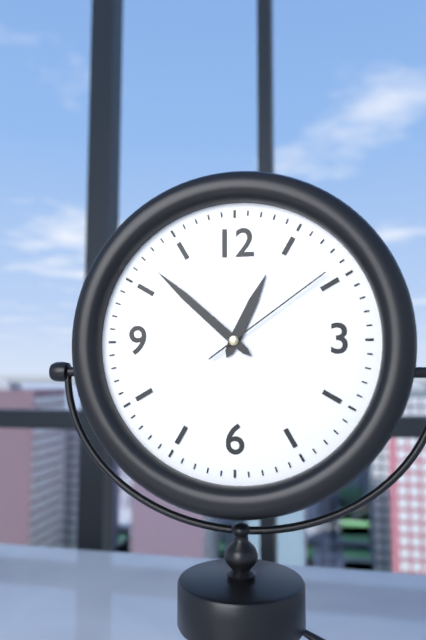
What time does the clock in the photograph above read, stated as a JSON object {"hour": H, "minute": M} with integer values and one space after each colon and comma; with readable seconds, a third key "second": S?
{"hour": 12, "minute": 52, "second": 9}
